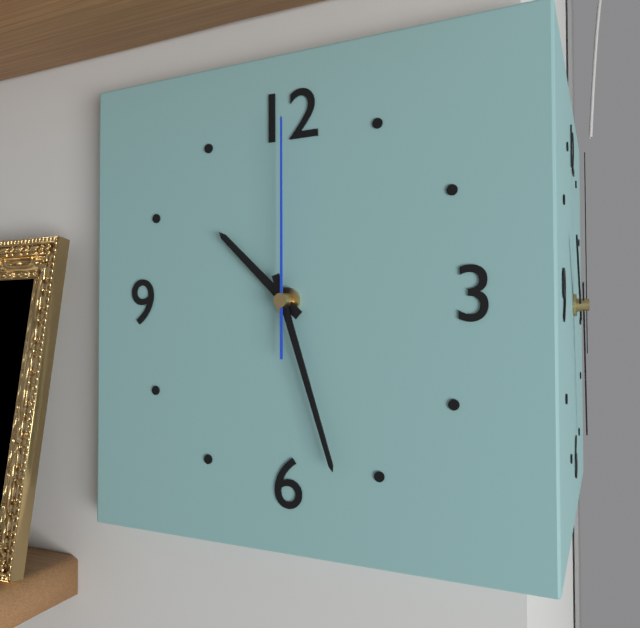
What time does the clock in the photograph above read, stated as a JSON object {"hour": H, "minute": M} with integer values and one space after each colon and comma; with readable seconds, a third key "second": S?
{"hour": 10, "minute": 27, "second": 0}
